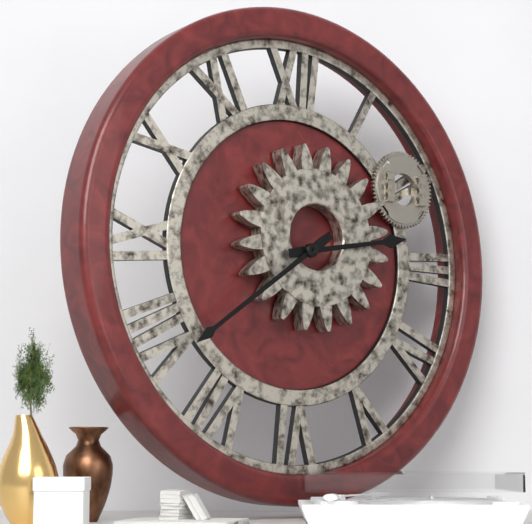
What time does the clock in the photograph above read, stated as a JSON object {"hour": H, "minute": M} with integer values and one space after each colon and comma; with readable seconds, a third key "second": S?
{"hour": 2, "minute": 39}
